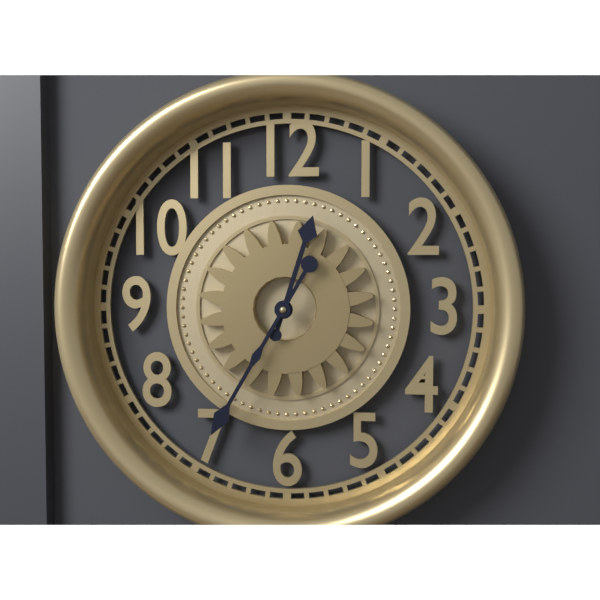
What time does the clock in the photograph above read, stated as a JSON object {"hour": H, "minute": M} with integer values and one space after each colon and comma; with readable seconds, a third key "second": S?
{"hour": 12, "minute": 35}
